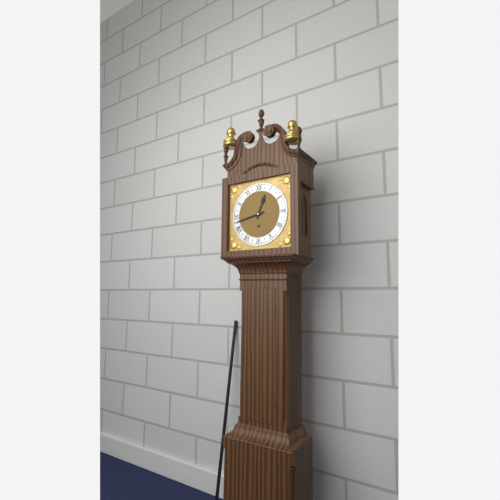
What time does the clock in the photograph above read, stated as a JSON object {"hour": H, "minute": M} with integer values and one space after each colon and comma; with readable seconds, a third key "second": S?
{"hour": 12, "minute": 43}
